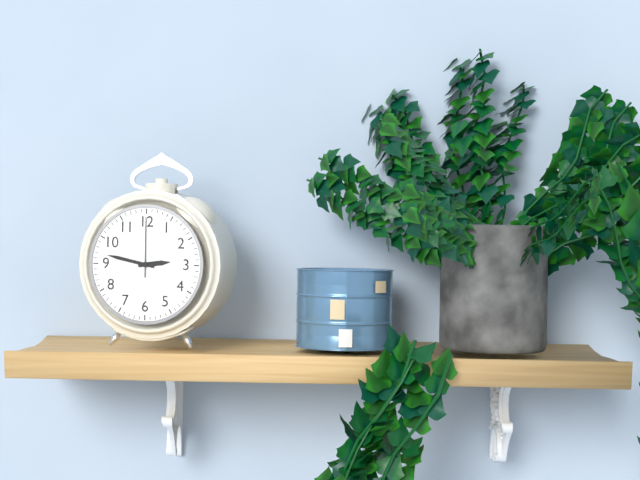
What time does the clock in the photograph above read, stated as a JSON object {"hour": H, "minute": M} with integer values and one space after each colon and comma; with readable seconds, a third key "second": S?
{"hour": 2, "minute": 47, "second": 0}
